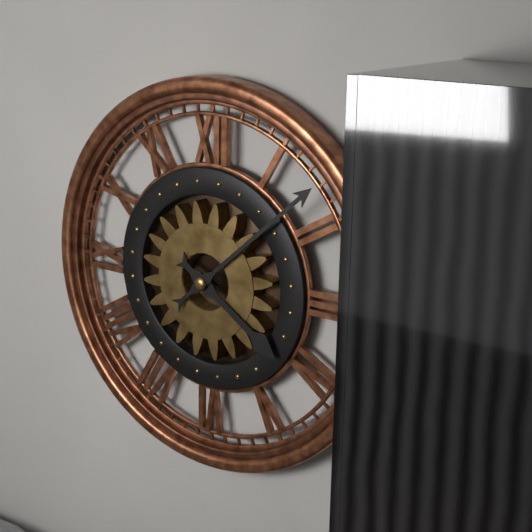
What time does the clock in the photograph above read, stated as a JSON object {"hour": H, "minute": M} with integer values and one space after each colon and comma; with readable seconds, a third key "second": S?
{"hour": 4, "minute": 8}
